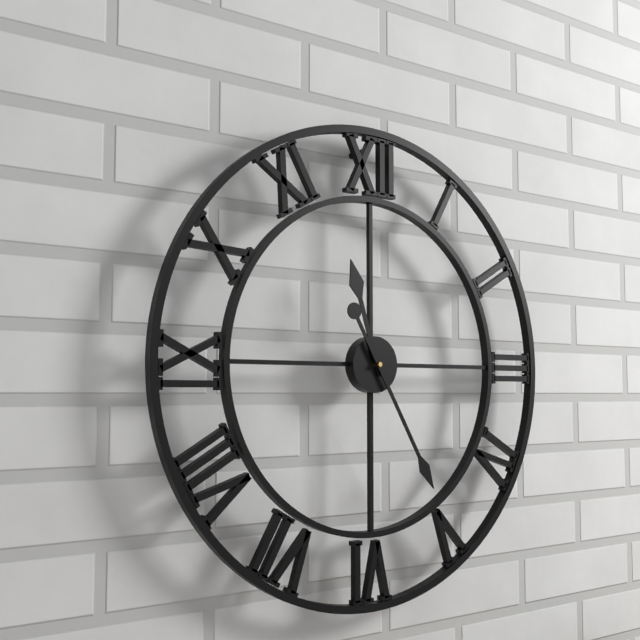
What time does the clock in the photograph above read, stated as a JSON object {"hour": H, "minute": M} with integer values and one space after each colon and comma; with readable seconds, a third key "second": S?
{"hour": 11, "minute": 25}
